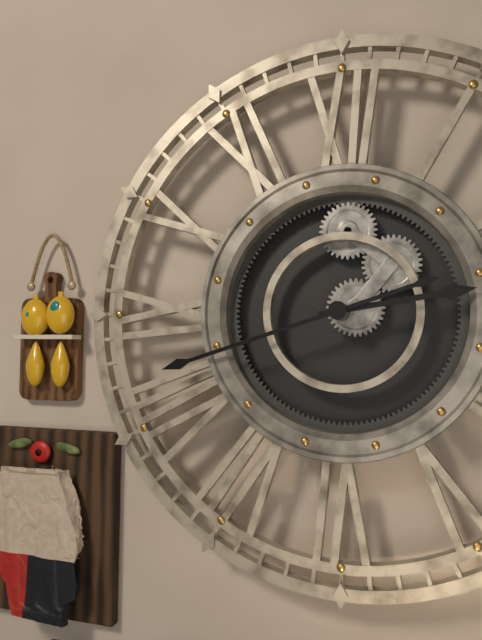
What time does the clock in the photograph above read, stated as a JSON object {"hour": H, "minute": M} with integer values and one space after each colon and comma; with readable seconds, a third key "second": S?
{"hour": 2, "minute": 42}
